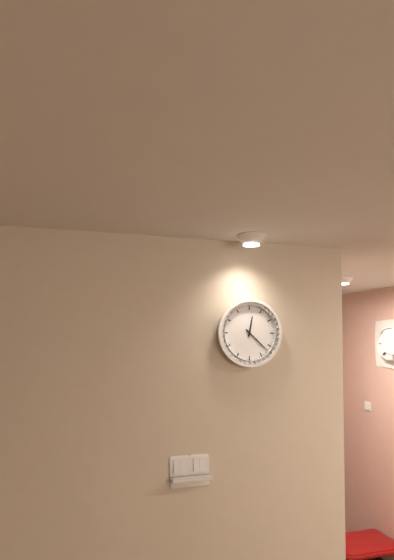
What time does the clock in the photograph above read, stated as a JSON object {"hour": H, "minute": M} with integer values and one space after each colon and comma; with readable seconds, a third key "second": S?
{"hour": 12, "minute": 22}
